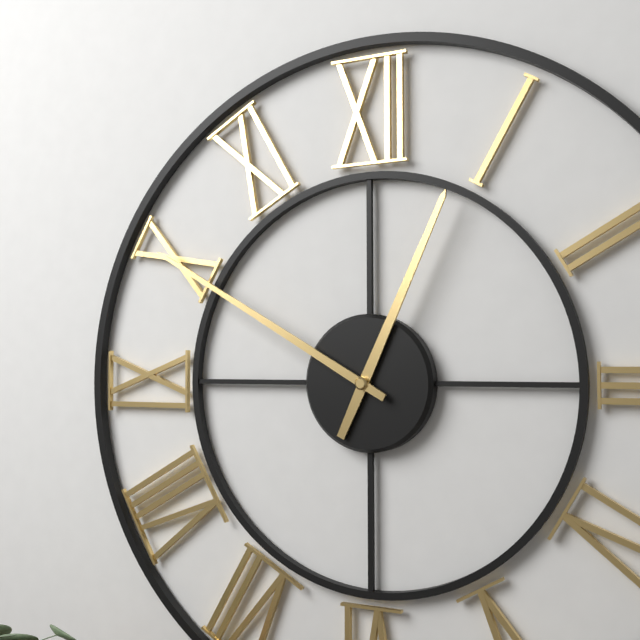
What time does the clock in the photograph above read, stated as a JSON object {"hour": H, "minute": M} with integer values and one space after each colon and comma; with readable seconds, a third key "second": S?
{"hour": 12, "minute": 50}
